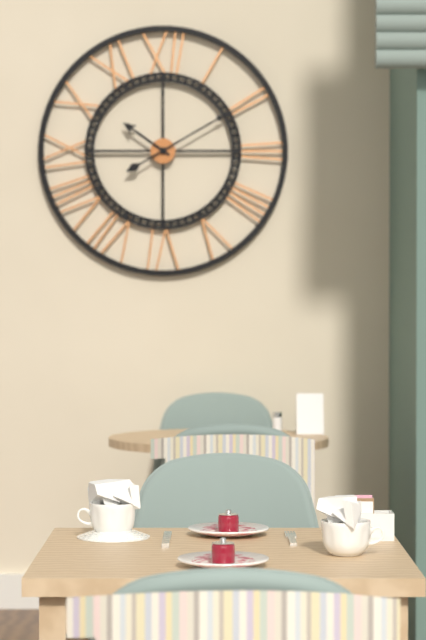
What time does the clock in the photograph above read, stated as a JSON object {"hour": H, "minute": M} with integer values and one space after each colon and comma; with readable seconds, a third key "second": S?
{"hour": 10, "minute": 10}
